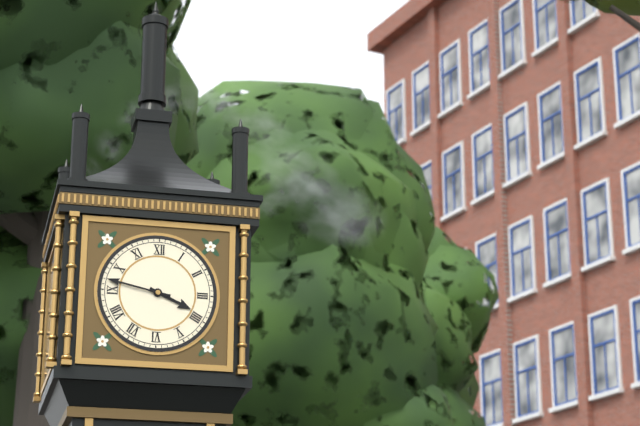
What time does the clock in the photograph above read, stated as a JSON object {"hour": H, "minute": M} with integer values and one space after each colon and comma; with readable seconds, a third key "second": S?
{"hour": 3, "minute": 47}
